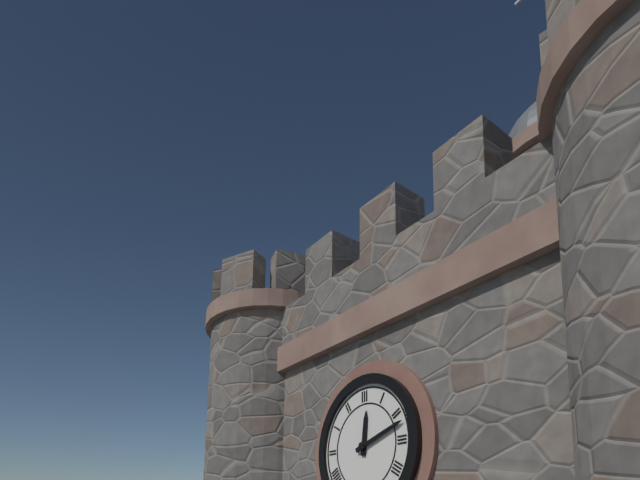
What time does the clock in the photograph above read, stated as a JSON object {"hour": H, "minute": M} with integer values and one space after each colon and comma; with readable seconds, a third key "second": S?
{"hour": 12, "minute": 12}
